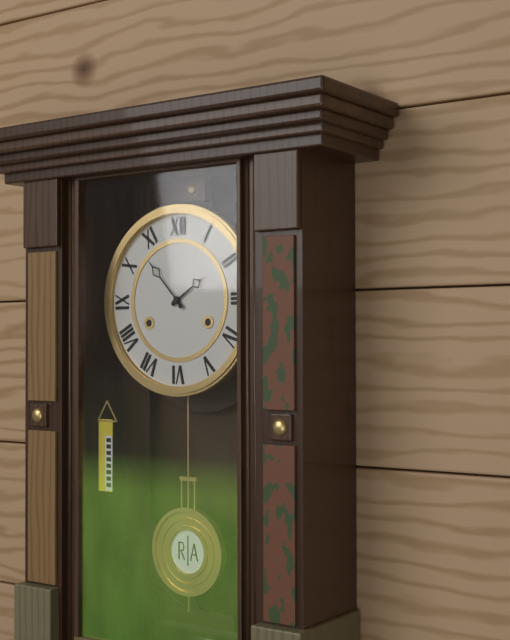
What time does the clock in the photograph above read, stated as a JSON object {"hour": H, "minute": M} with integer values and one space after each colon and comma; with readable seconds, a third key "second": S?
{"hour": 1, "minute": 53}
